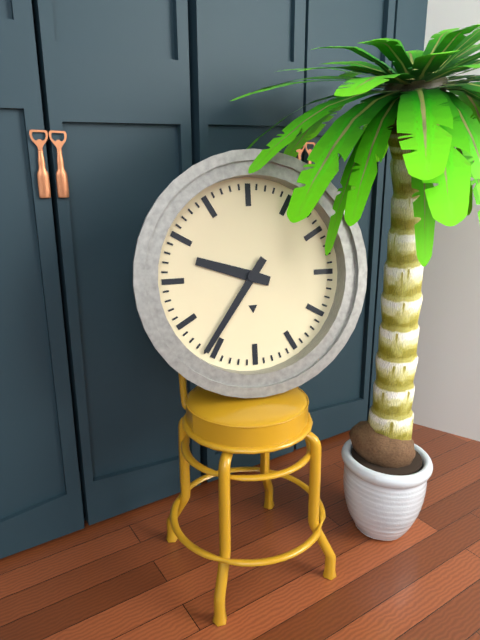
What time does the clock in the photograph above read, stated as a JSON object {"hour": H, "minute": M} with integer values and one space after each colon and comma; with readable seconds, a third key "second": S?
{"hour": 9, "minute": 36}
